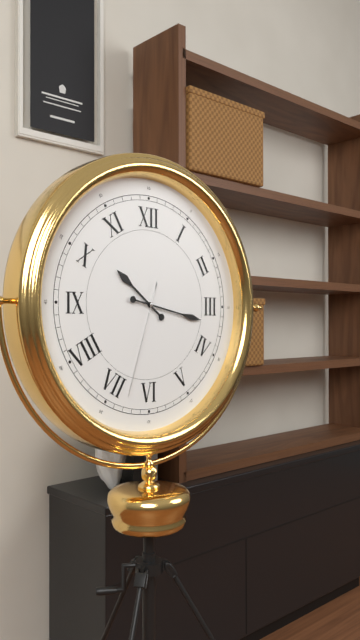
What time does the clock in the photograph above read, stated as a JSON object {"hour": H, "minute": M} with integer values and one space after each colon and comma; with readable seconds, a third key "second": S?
{"hour": 10, "minute": 17, "second": 33}
